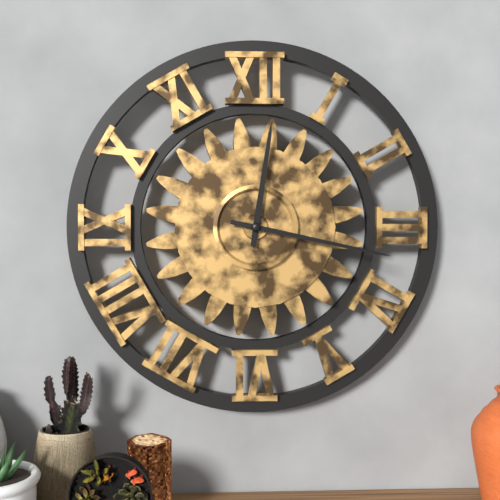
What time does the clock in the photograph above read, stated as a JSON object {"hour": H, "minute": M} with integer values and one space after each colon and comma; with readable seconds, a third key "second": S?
{"hour": 12, "minute": 17}
